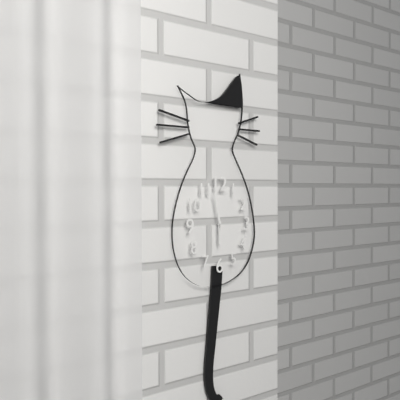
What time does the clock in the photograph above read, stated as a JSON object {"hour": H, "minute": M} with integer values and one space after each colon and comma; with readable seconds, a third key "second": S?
{"hour": 5, "minute": 58}
